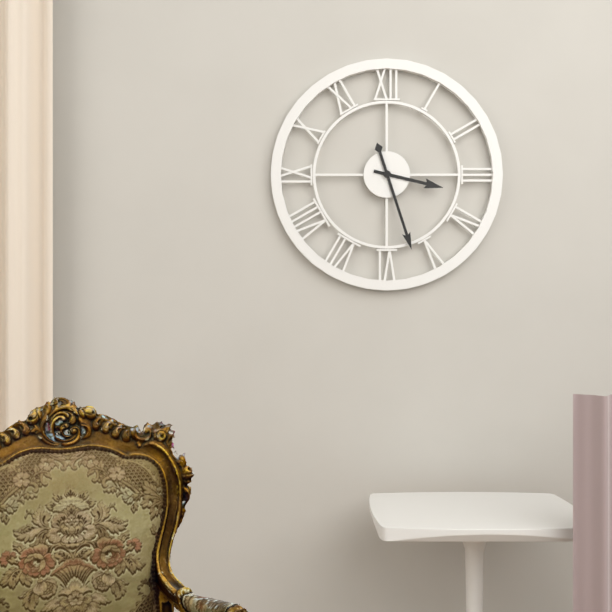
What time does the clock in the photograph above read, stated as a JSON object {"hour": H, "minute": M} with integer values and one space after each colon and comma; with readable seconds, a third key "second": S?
{"hour": 3, "minute": 27}
